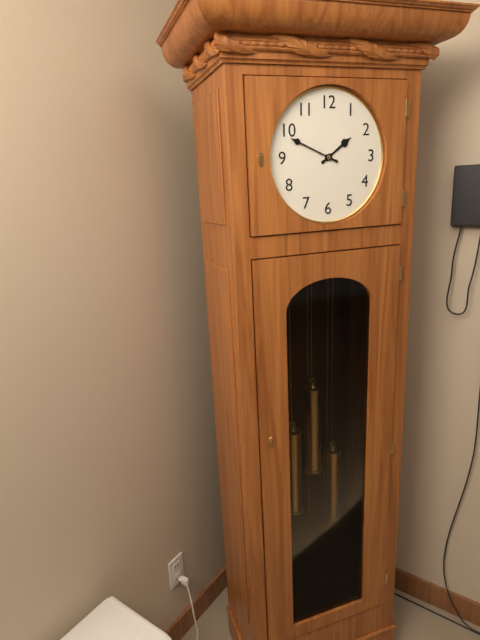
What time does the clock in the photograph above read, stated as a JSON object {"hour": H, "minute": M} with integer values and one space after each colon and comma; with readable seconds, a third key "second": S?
{"hour": 1, "minute": 49}
